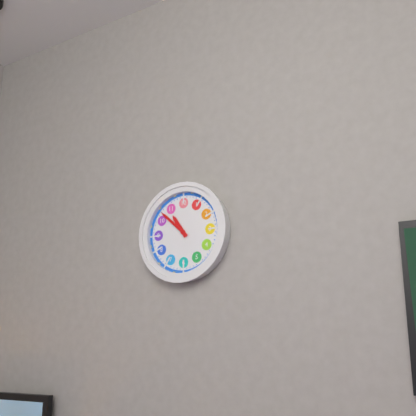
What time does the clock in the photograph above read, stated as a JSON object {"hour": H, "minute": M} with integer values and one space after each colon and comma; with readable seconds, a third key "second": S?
{"hour": 10, "minute": 52}
